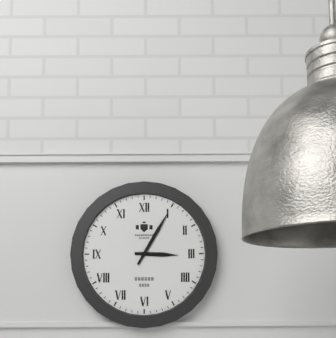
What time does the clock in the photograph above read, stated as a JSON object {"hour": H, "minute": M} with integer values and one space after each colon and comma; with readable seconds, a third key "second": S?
{"hour": 3, "minute": 5}
